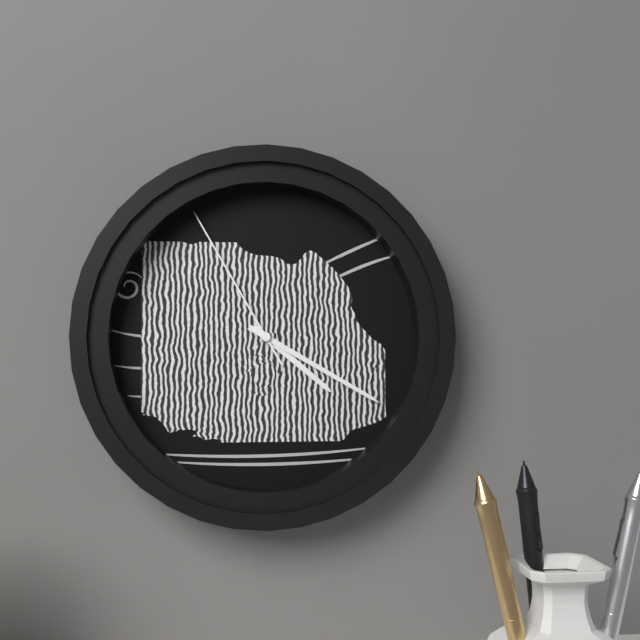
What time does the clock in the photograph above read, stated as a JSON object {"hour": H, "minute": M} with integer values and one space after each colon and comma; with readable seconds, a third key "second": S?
{"hour": 4, "minute": 20, "second": 55}
